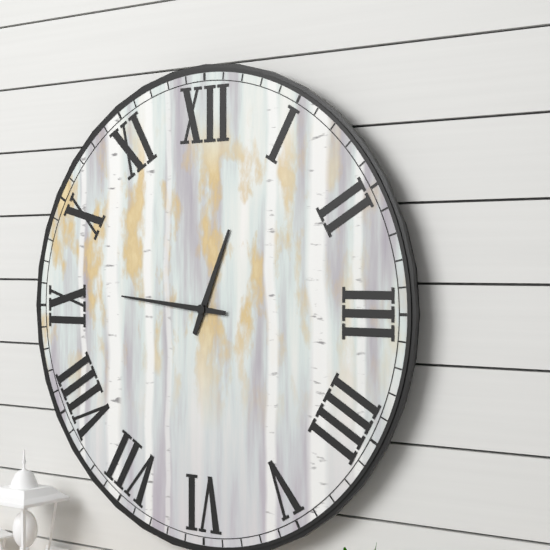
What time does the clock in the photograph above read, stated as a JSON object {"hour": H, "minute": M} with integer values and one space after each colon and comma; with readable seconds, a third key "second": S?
{"hour": 12, "minute": 46}
